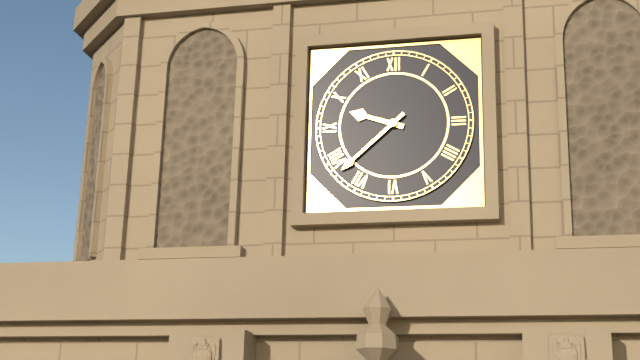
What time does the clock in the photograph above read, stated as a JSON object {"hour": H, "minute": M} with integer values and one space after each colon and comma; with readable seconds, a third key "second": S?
{"hour": 9, "minute": 38}
